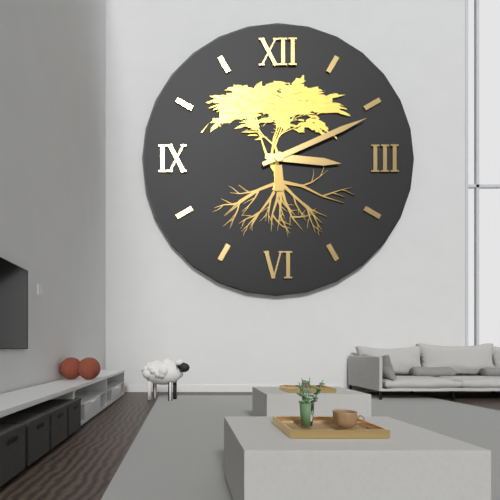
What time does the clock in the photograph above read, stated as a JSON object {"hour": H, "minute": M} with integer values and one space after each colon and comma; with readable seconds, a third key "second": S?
{"hour": 3, "minute": 11}
